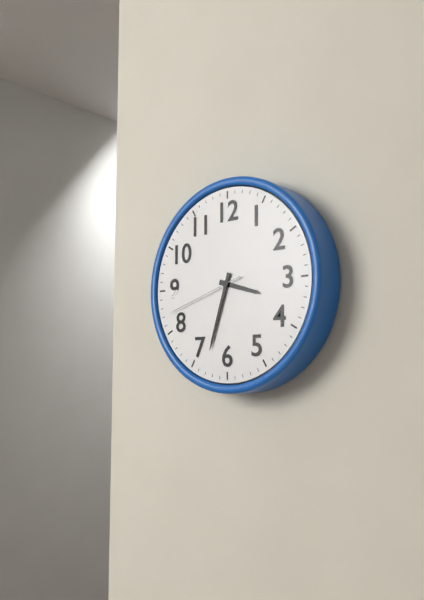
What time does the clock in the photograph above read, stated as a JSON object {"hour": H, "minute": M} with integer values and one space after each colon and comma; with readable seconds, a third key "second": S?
{"hour": 3, "minute": 33, "second": 42}
